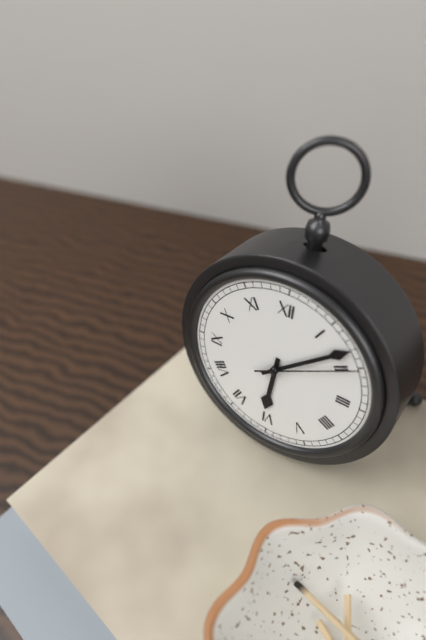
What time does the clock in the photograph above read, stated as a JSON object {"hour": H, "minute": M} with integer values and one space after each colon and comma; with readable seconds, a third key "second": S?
{"hour": 6, "minute": 8, "second": 10}
